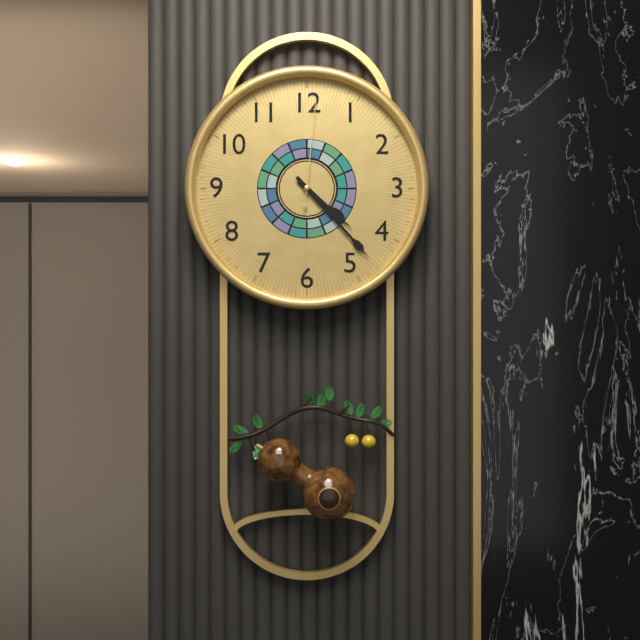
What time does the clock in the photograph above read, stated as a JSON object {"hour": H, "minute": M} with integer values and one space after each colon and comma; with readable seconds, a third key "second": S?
{"hour": 4, "minute": 23, "second": 1}
